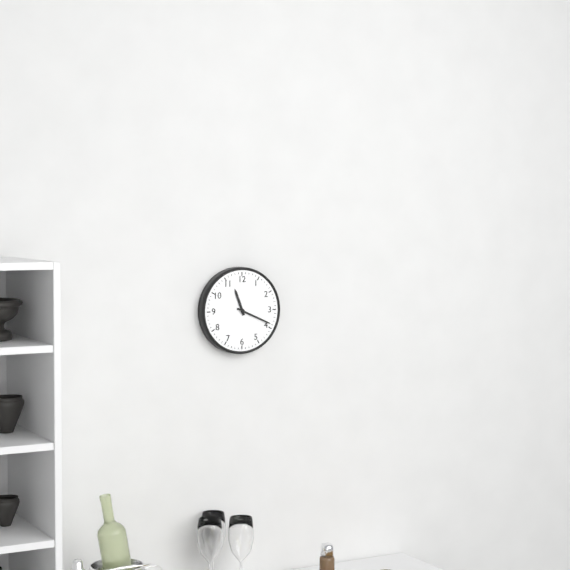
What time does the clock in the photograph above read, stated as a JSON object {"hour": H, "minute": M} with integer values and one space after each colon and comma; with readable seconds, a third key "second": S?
{"hour": 11, "minute": 19}
